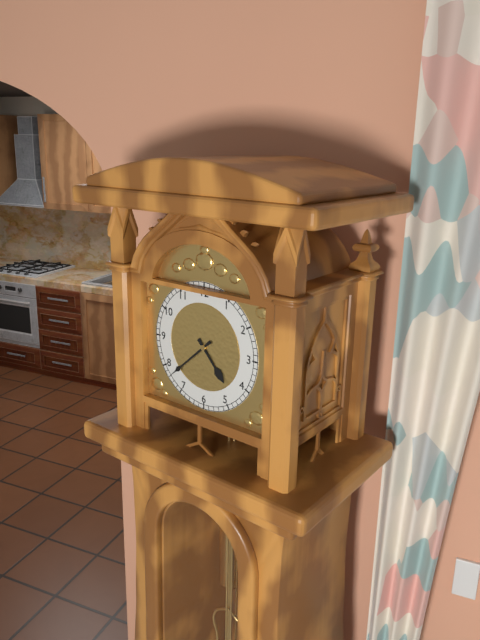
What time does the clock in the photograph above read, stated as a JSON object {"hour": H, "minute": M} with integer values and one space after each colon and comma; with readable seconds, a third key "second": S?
{"hour": 4, "minute": 38}
